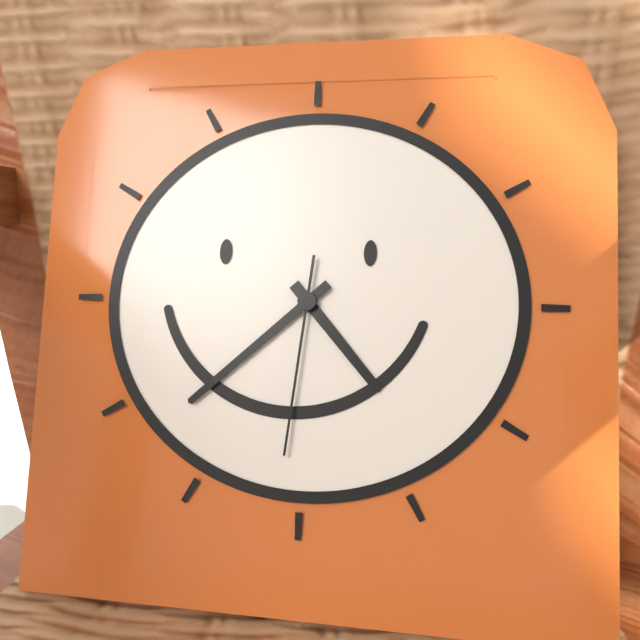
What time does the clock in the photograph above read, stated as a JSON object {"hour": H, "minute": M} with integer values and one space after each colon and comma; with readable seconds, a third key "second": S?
{"hour": 4, "minute": 38, "second": 31}
